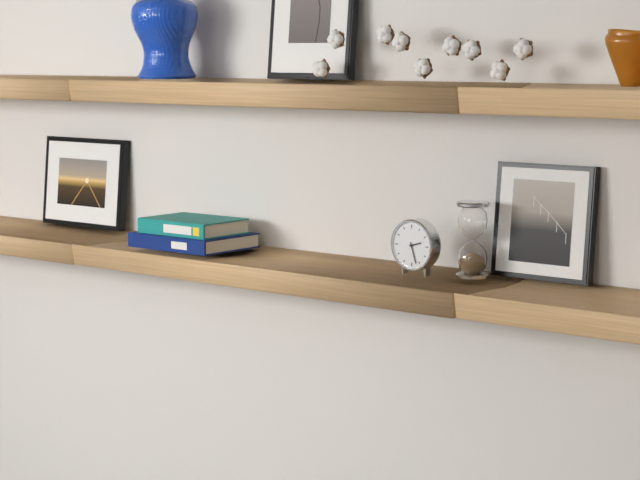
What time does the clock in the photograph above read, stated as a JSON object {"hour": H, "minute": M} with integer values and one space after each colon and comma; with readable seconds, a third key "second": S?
{"hour": 2, "minute": 27}
